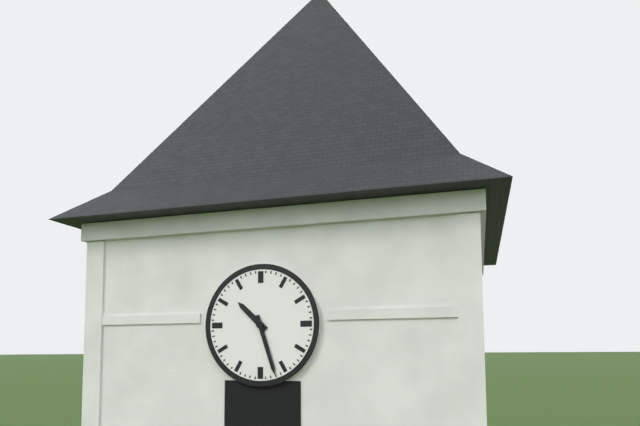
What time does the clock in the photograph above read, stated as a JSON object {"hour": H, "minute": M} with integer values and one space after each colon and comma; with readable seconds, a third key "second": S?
{"hour": 10, "minute": 27}
